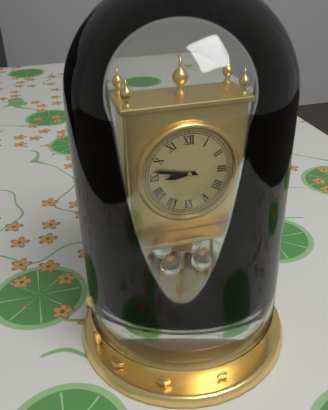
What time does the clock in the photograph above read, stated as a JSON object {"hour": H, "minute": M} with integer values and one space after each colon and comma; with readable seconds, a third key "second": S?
{"hour": 8, "minute": 47}
